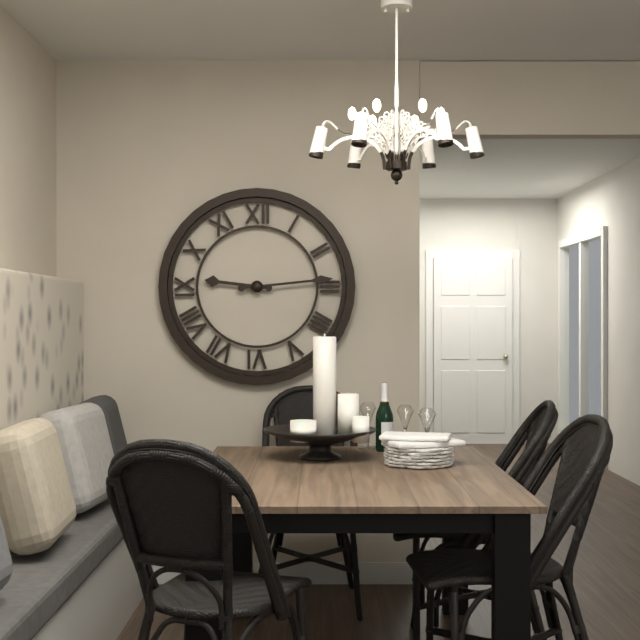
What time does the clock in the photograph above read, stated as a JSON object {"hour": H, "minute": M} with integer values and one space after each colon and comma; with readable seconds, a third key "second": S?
{"hour": 9, "minute": 14}
